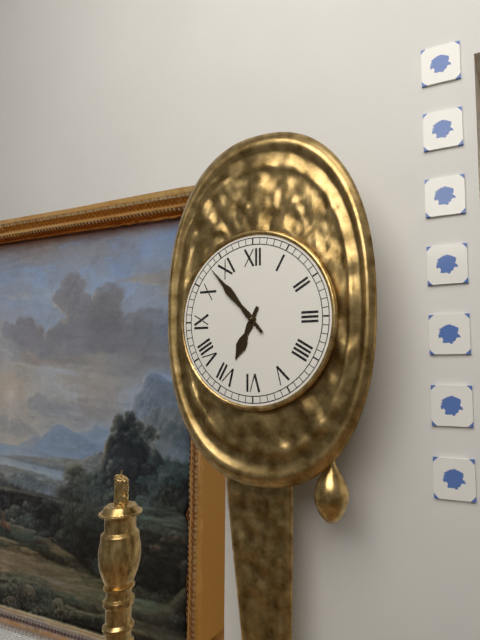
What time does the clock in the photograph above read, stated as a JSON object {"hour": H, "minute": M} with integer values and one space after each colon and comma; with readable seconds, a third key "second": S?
{"hour": 6, "minute": 53}
